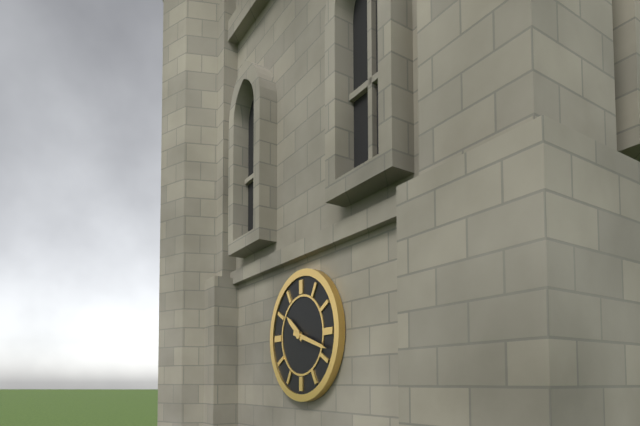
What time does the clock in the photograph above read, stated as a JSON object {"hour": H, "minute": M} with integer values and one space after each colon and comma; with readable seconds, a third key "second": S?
{"hour": 10, "minute": 18}
